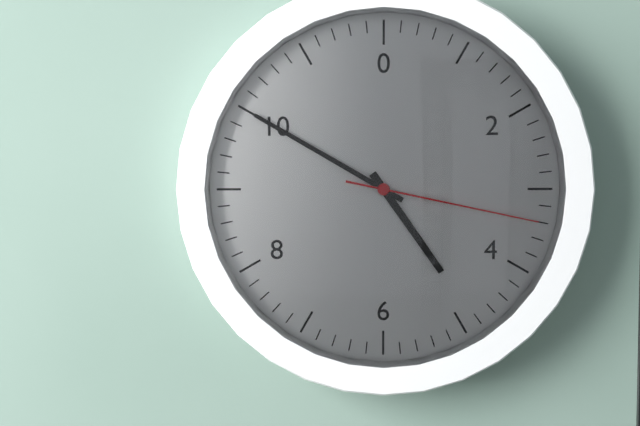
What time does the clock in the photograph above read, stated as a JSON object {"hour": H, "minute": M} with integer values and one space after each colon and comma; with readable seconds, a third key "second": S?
{"hour": 4, "minute": 50, "second": 17}
